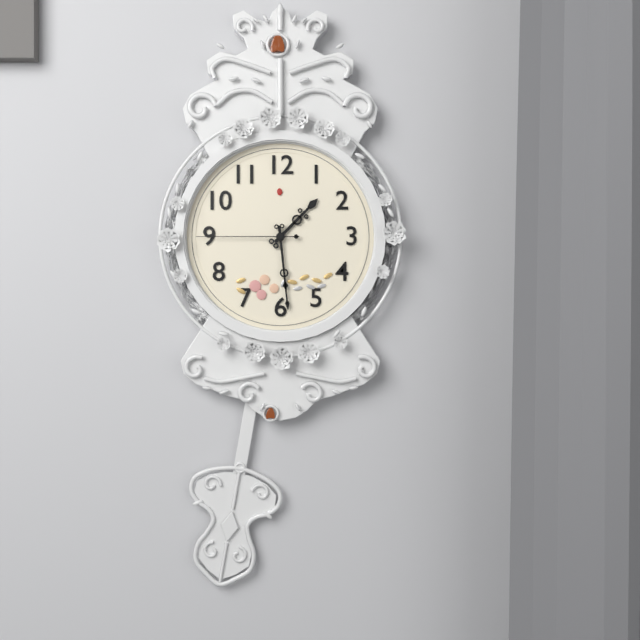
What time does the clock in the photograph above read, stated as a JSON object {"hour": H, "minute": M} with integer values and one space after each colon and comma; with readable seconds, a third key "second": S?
{"hour": 1, "minute": 29, "second": 45}
